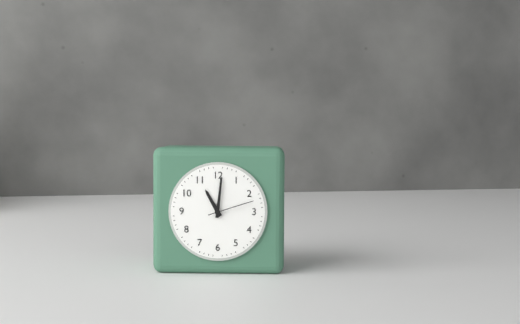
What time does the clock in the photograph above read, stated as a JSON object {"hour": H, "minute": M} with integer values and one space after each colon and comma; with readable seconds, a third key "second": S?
{"hour": 11, "minute": 1}
